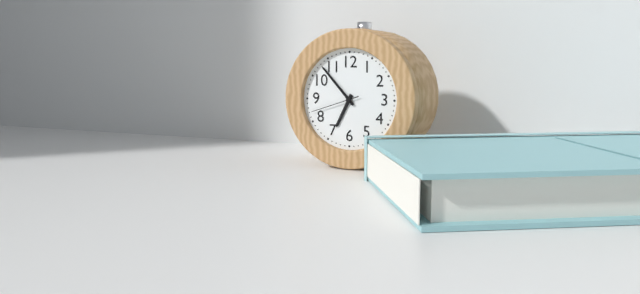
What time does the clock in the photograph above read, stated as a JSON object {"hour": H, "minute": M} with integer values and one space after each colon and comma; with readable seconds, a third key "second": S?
{"hour": 6, "minute": 53}
